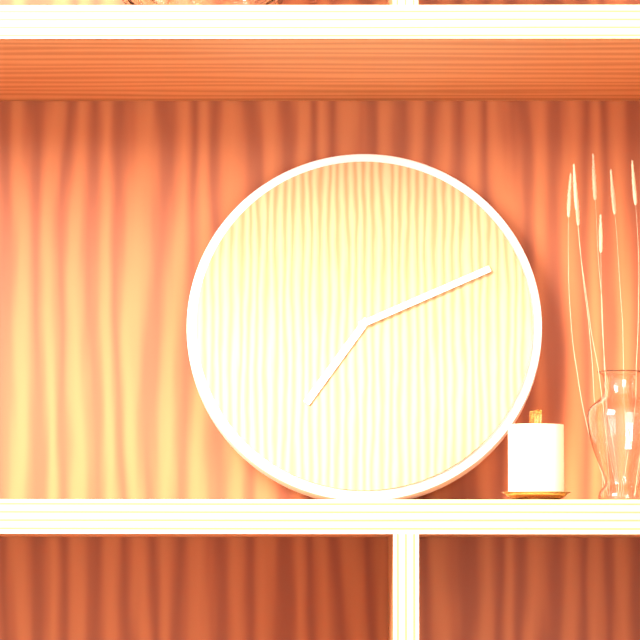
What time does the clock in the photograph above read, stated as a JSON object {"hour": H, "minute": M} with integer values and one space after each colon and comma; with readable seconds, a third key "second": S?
{"hour": 7, "minute": 11}
